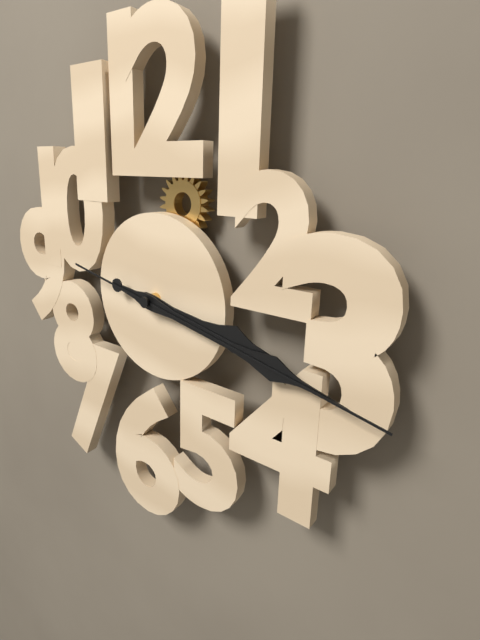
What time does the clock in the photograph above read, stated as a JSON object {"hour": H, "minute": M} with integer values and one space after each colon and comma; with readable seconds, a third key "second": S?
{"hour": 3, "minute": 17, "second": 17}
